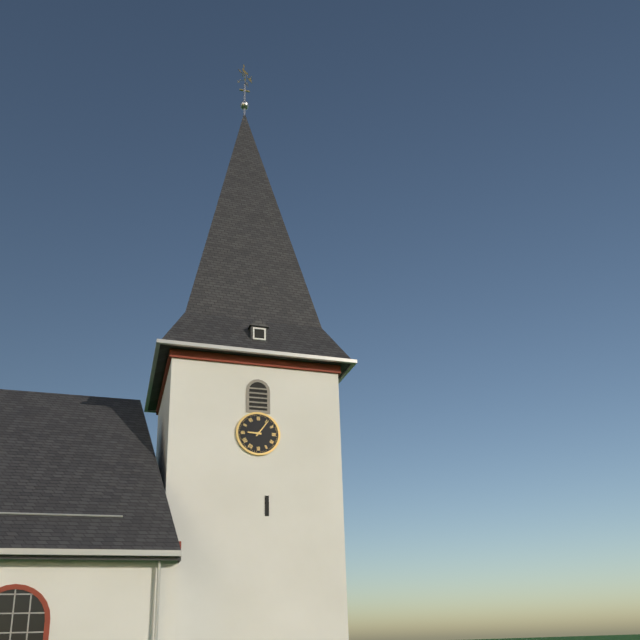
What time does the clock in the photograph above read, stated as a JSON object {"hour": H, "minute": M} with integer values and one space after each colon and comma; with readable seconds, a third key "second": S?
{"hour": 9, "minute": 6}
